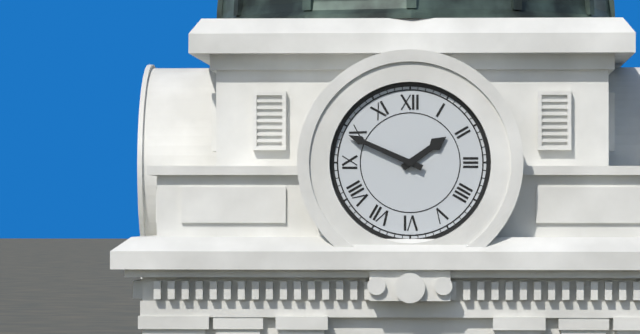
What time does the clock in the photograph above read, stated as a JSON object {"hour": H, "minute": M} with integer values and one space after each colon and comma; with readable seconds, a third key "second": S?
{"hour": 1, "minute": 49}
